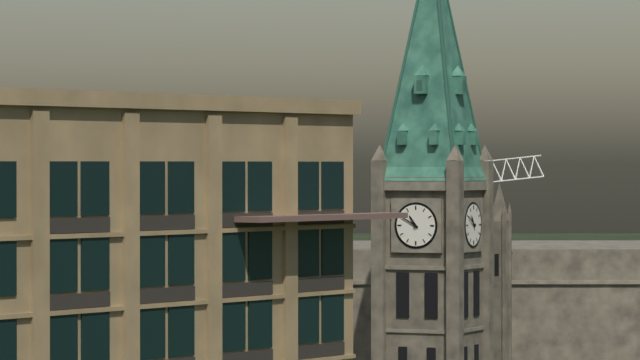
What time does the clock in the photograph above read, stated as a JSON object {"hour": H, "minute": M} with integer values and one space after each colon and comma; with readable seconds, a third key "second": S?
{"hour": 10, "minute": 50}
